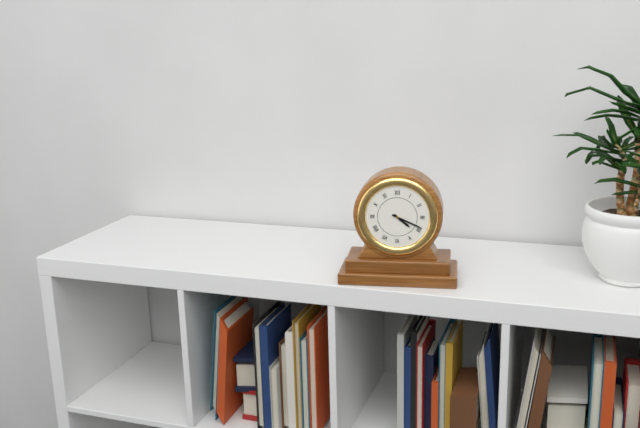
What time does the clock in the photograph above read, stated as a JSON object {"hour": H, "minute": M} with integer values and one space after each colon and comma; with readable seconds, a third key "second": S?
{"hour": 4, "minute": 19}
